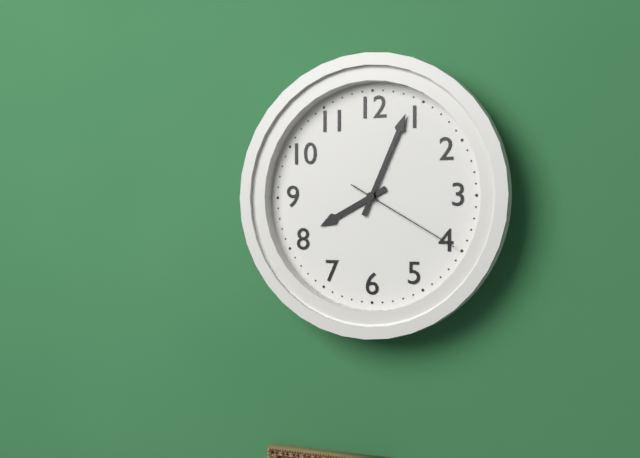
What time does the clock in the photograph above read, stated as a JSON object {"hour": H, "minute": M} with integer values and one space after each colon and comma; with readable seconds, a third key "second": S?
{"hour": 8, "minute": 4, "second": 20}
